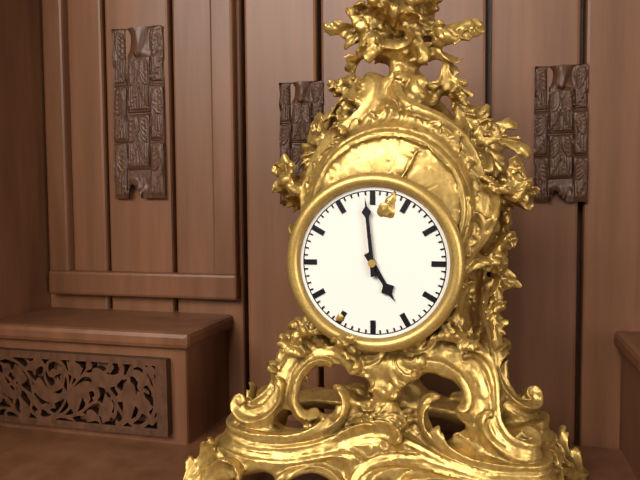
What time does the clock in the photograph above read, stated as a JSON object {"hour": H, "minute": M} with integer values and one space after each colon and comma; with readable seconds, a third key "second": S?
{"hour": 4, "minute": 59}
